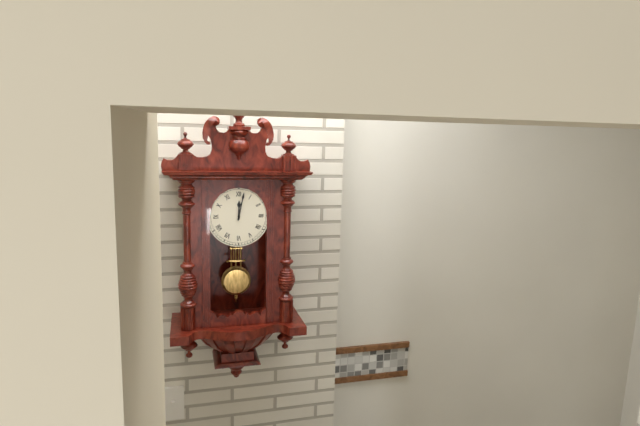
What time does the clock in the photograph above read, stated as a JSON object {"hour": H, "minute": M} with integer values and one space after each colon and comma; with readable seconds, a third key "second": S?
{"hour": 12, "minute": 2}
